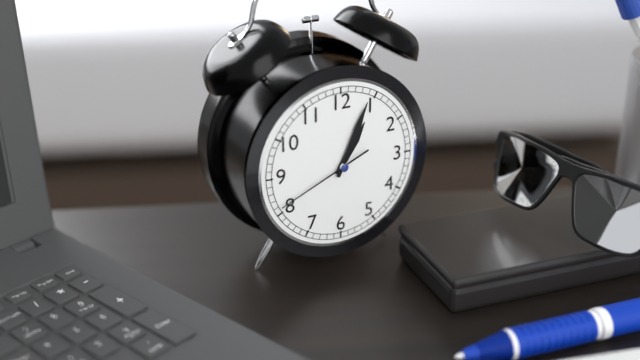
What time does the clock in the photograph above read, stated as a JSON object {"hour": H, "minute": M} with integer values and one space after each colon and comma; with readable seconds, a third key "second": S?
{"hour": 1, "minute": 4, "second": 41}
